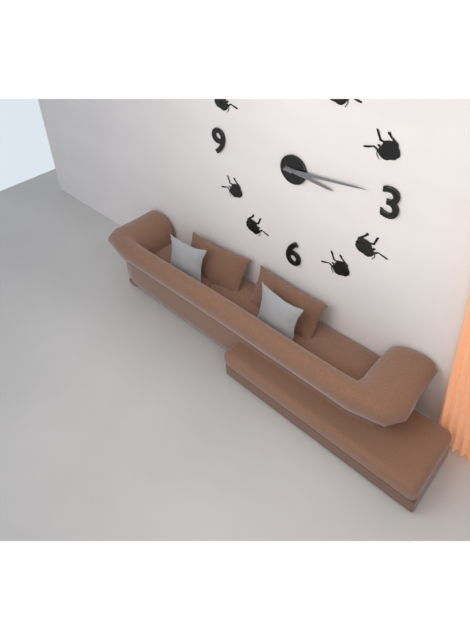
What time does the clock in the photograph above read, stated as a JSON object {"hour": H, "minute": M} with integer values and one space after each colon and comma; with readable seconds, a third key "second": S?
{"hour": 3, "minute": 14}
